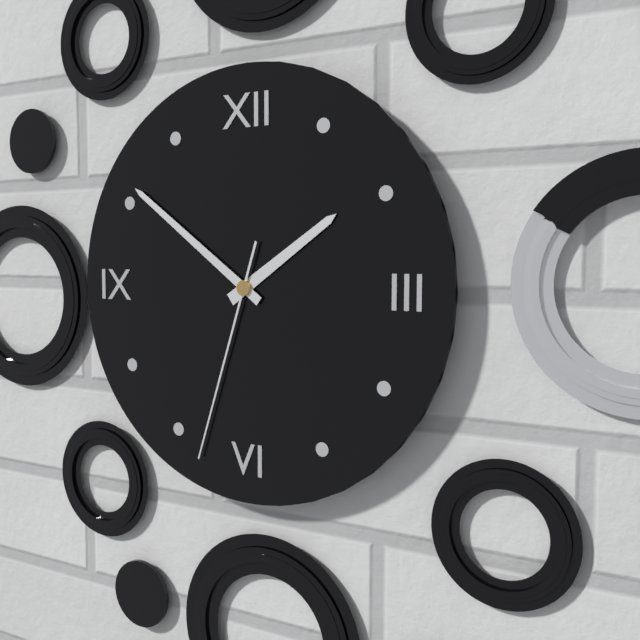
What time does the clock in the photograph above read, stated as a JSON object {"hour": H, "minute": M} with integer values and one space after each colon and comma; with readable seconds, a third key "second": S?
{"hour": 1, "minute": 51, "second": 33}
